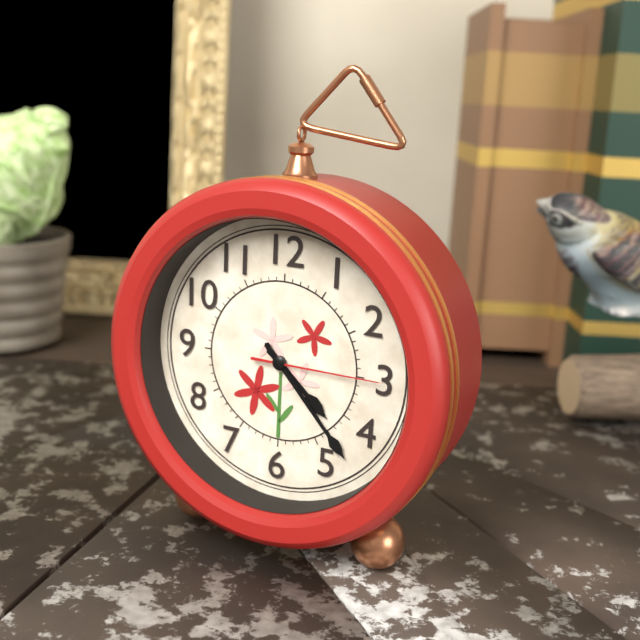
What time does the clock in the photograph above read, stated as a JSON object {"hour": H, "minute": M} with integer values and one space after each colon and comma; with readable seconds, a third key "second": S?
{"hour": 4, "minute": 23, "second": 15}
